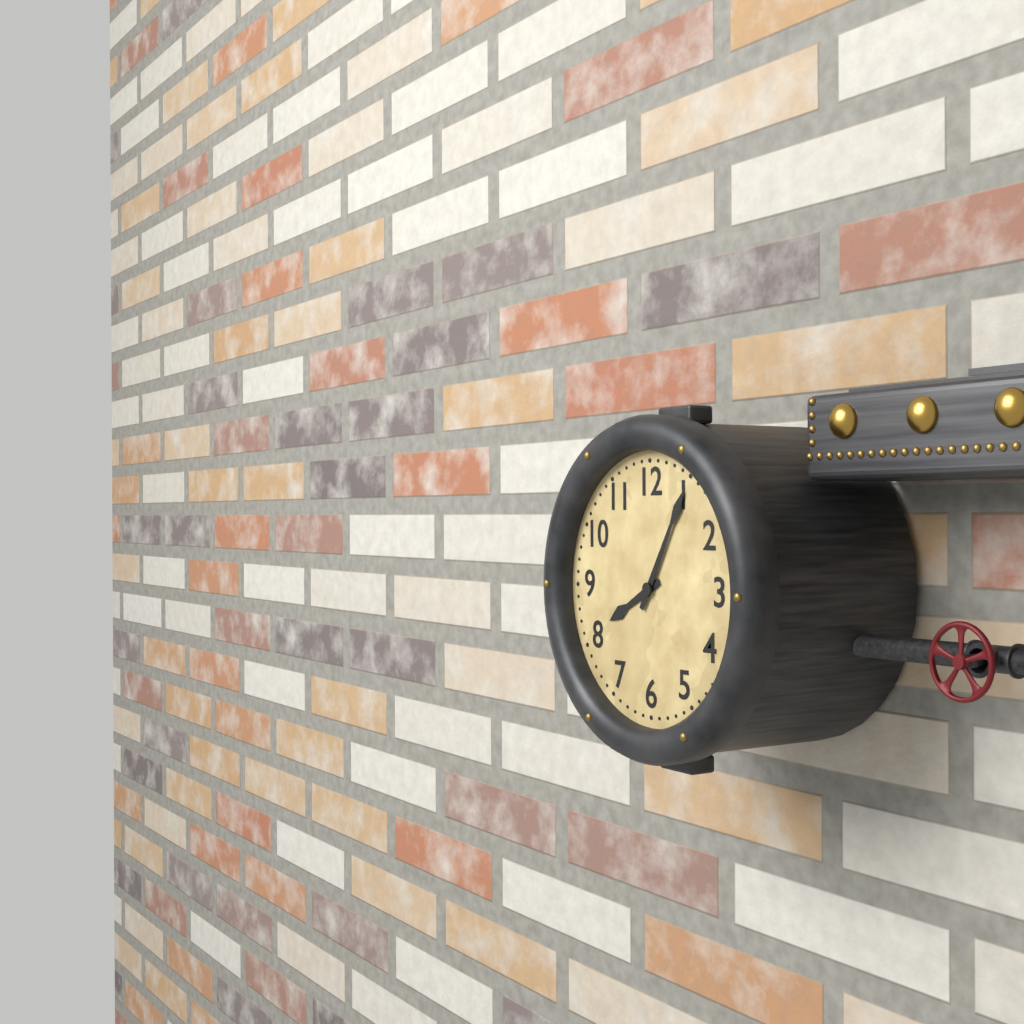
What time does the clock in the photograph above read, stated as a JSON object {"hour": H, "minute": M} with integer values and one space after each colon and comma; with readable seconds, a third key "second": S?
{"hour": 8, "minute": 5}
